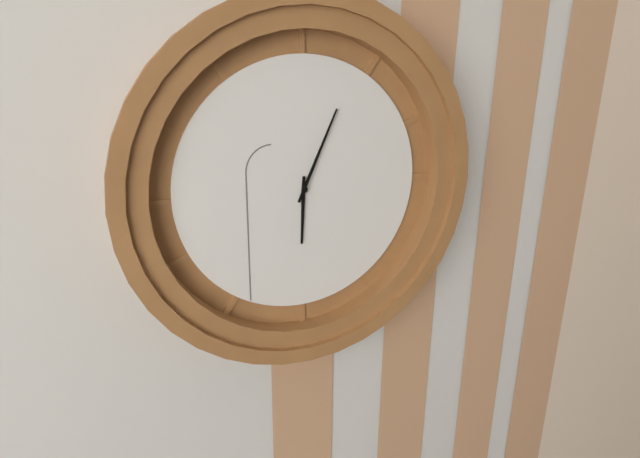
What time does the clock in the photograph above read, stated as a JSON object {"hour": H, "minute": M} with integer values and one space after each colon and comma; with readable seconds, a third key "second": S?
{"hour": 6, "minute": 4}
